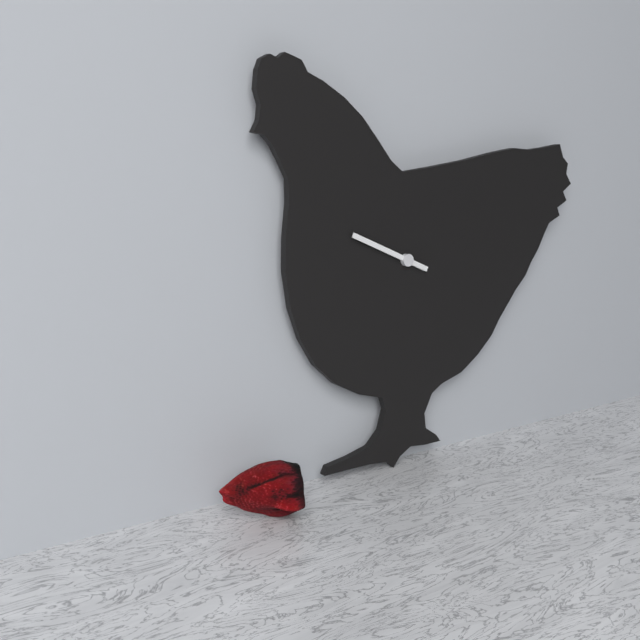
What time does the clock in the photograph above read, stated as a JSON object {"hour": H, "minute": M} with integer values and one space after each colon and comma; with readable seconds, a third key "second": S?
{"hour": 9, "minute": 49}
